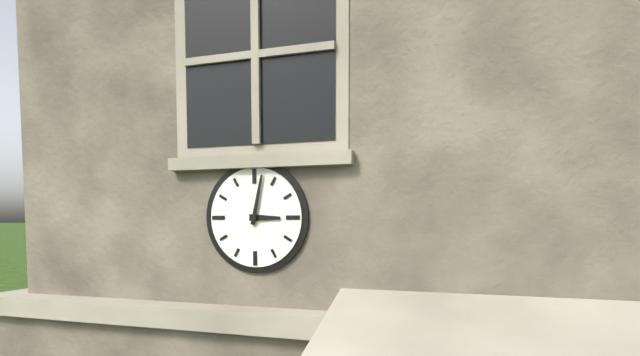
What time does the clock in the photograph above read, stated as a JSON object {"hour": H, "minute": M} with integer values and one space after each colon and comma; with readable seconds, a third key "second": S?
{"hour": 3, "minute": 2}
